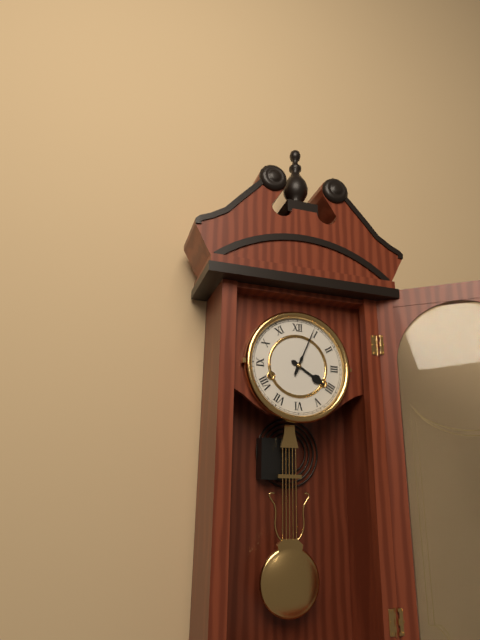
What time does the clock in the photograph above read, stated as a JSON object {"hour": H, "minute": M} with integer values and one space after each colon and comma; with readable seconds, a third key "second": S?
{"hour": 4, "minute": 4}
